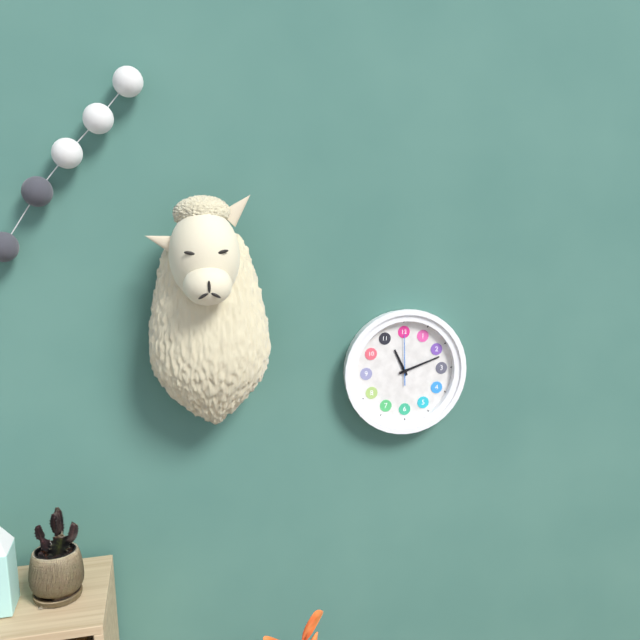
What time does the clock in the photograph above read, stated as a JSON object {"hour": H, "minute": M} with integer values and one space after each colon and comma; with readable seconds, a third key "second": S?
{"hour": 11, "minute": 12}
